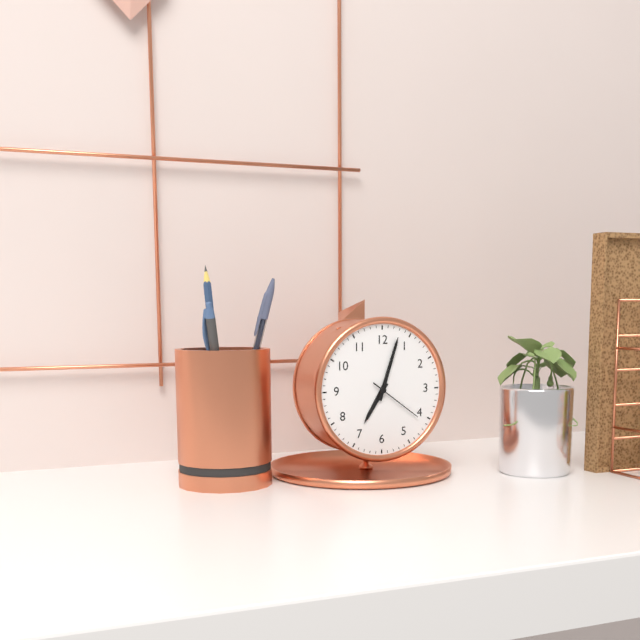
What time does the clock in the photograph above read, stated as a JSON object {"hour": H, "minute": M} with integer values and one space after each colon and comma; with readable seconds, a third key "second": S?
{"hour": 7, "minute": 3, "second": 21}
